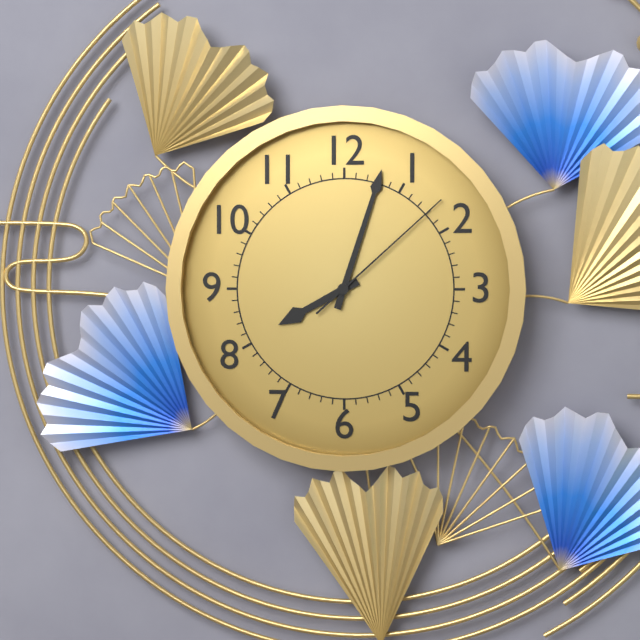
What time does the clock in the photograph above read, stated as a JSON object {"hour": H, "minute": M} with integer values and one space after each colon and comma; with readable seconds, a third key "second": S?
{"hour": 8, "minute": 3, "second": 8}
